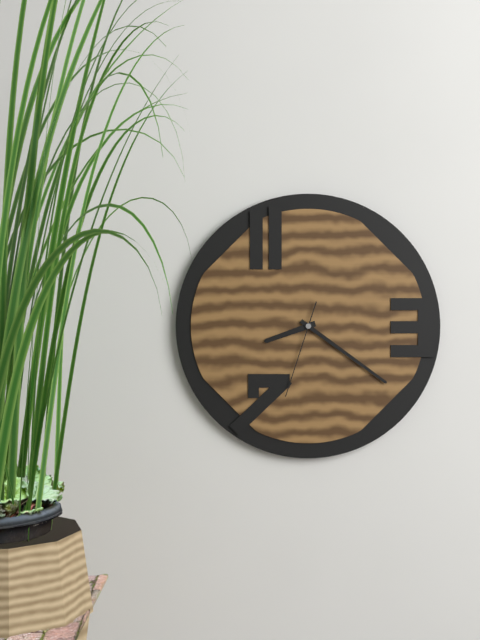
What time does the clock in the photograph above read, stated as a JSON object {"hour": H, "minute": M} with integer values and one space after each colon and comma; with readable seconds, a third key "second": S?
{"hour": 8, "minute": 21, "second": 33}
